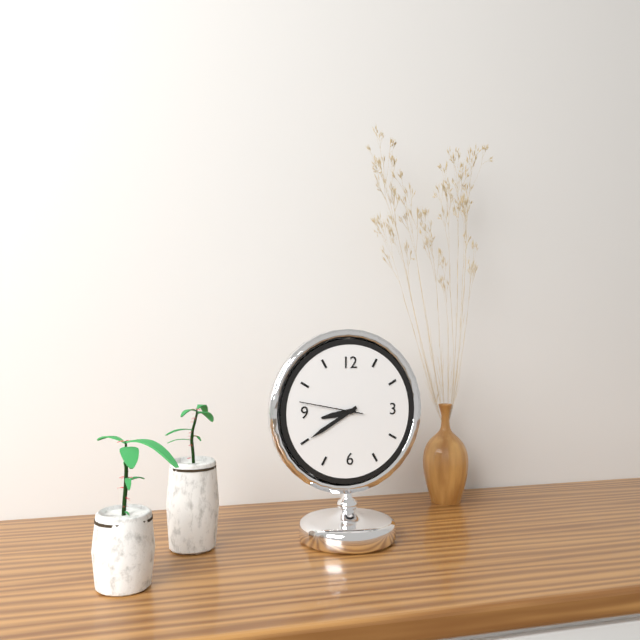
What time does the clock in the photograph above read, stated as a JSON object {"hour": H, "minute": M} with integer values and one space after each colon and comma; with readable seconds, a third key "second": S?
{"hour": 8, "minute": 40, "second": 47}
